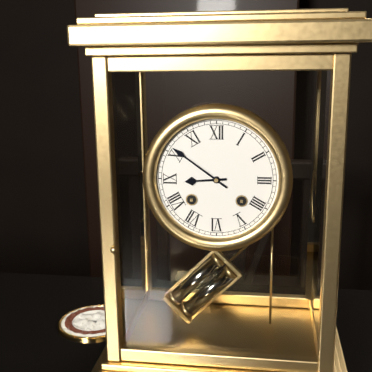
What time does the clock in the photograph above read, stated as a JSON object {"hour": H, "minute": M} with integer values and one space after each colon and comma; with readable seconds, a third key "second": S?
{"hour": 8, "minute": 51}
